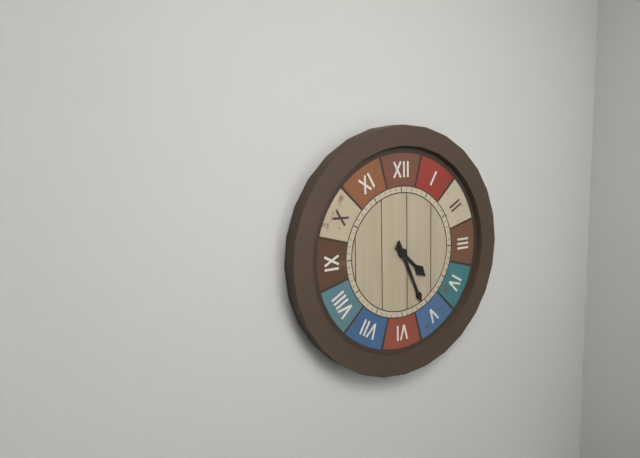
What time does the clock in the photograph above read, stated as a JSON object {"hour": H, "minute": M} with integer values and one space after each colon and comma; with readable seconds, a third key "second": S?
{"hour": 4, "minute": 26}
